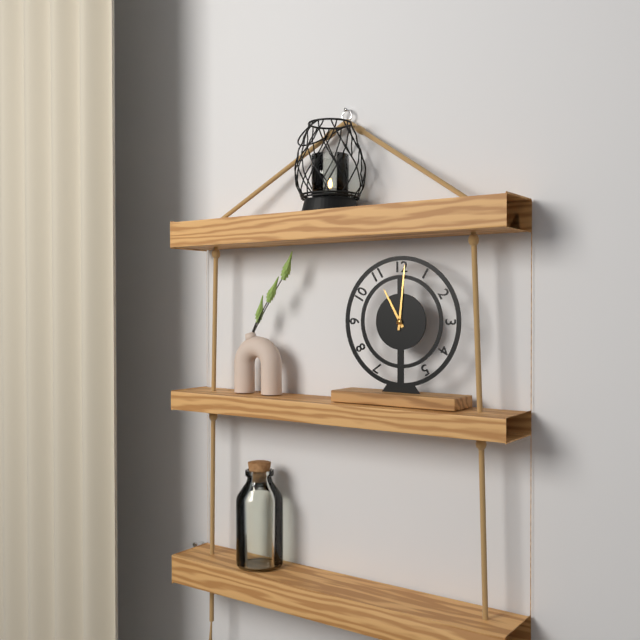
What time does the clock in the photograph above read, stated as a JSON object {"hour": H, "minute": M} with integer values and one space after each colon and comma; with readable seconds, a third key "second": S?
{"hour": 11, "minute": 1}
